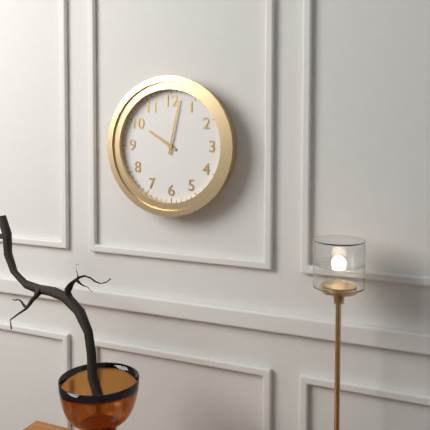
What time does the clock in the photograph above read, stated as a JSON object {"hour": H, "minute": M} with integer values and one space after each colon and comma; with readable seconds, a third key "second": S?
{"hour": 10, "minute": 2}
